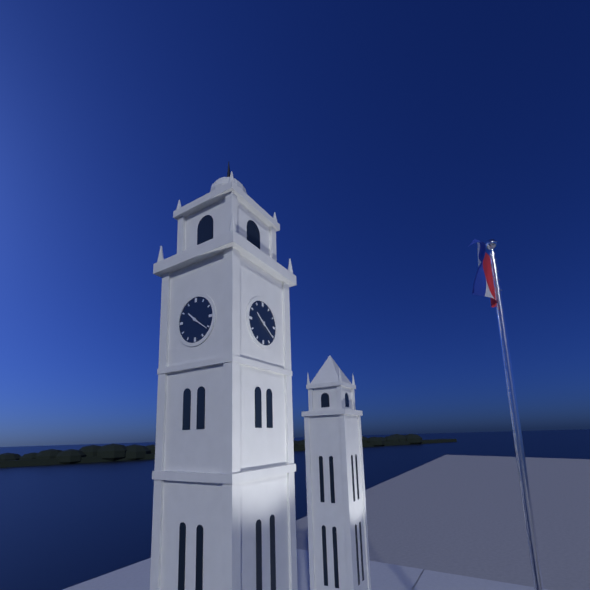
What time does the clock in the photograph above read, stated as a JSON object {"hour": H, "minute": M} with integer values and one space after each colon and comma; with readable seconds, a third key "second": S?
{"hour": 10, "minute": 21}
